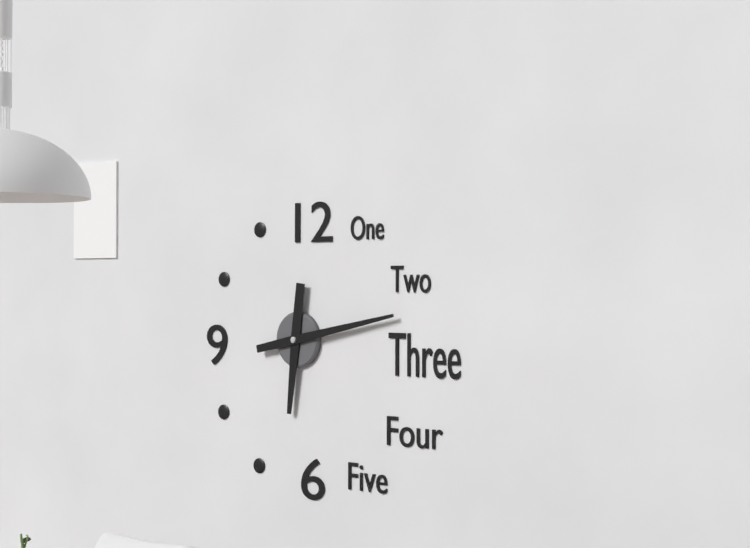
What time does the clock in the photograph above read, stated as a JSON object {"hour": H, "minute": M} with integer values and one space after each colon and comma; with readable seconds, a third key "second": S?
{"hour": 6, "minute": 13}
